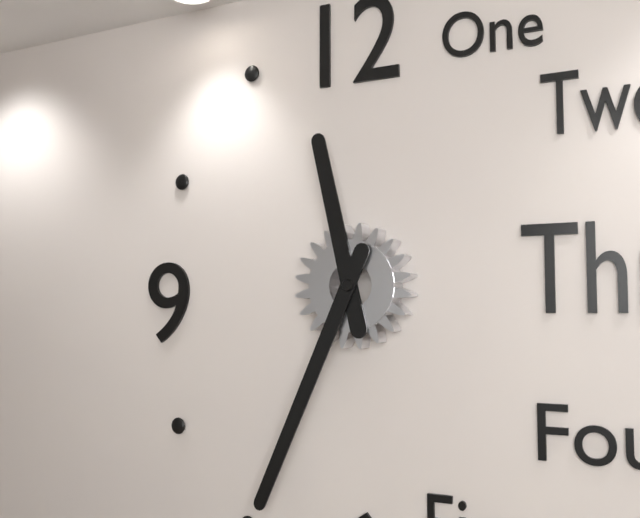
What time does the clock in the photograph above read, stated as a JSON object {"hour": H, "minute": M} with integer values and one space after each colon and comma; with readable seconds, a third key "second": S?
{"hour": 11, "minute": 34}
